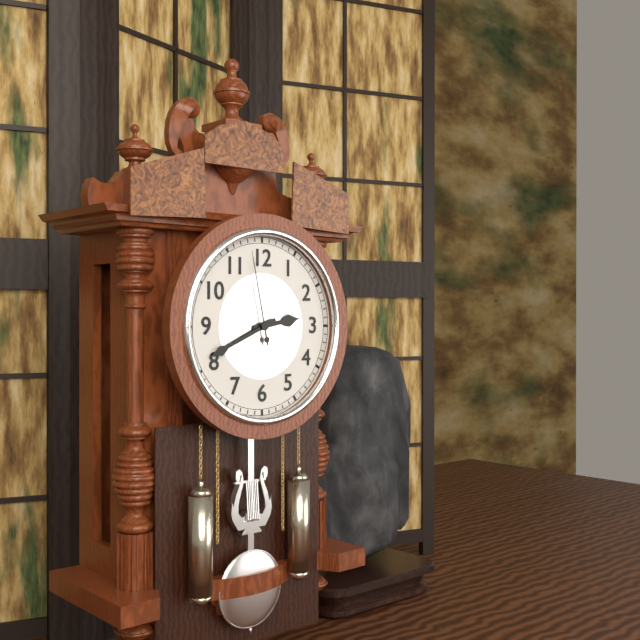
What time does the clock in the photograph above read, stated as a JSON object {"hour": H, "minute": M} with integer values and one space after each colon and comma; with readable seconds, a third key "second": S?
{"hour": 2, "minute": 41, "second": 58}
